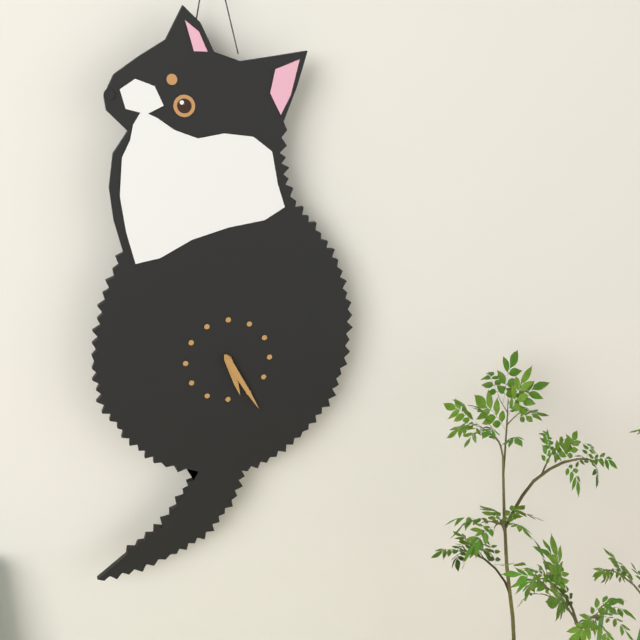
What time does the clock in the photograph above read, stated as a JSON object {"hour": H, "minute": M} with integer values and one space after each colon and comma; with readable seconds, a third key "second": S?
{"hour": 5, "minute": 25}
